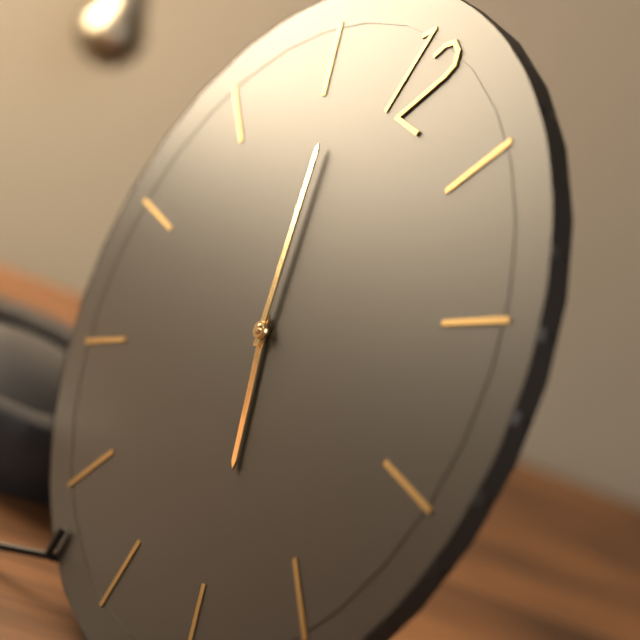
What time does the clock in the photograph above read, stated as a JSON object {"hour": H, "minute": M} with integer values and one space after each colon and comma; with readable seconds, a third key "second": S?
{"hour": 4, "minute": 56}
